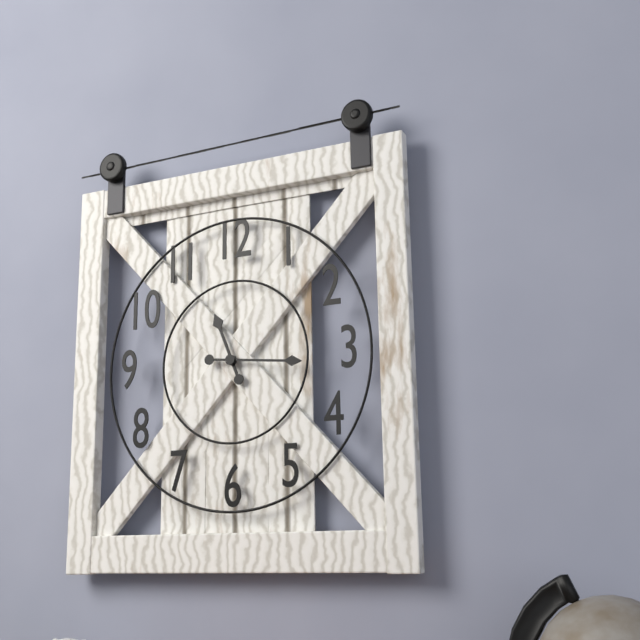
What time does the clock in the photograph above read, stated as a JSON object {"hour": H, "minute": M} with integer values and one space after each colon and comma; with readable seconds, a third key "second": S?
{"hour": 11, "minute": 16}
